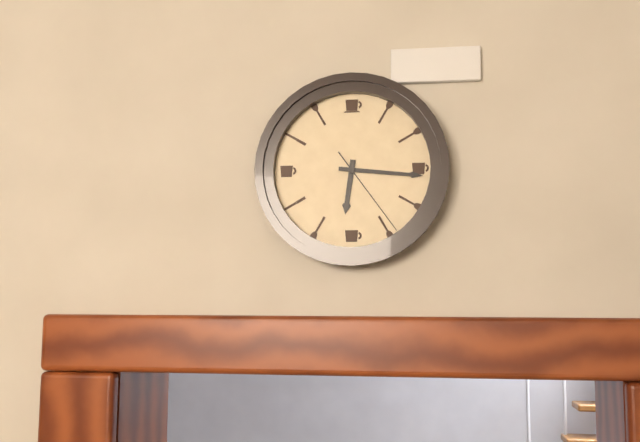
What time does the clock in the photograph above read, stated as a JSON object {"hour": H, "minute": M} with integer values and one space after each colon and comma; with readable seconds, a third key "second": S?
{"hour": 6, "minute": 16, "second": 24}
